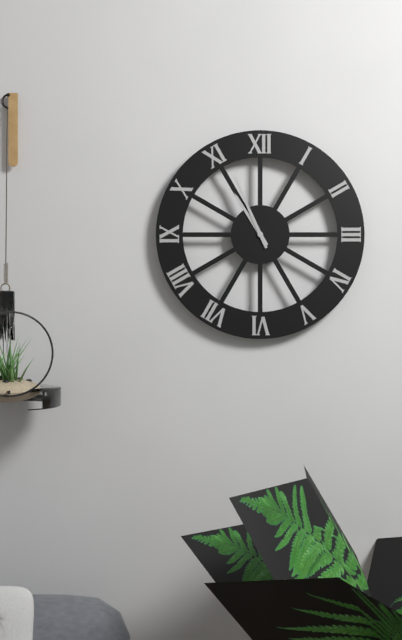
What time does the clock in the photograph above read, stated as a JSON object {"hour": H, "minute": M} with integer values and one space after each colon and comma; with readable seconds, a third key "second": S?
{"hour": 10, "minute": 56}
